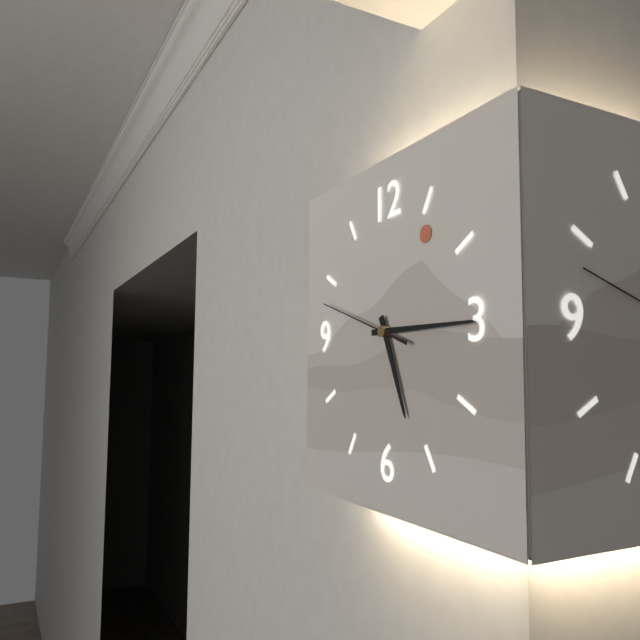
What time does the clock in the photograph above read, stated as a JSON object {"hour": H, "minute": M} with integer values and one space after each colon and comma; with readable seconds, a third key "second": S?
{"hour": 5, "minute": 15, "second": 48}
